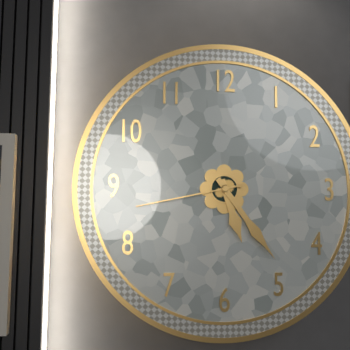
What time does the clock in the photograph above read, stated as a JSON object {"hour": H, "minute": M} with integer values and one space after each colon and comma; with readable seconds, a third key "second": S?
{"hour": 5, "minute": 24, "second": 43}
